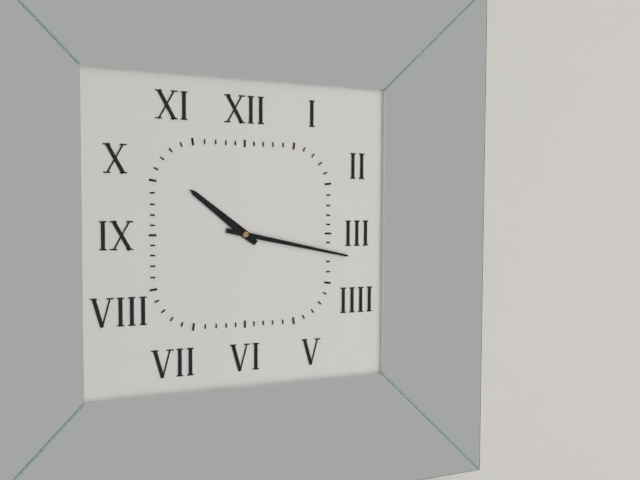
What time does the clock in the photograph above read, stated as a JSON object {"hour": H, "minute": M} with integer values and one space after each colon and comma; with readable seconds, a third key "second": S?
{"hour": 10, "minute": 17}
